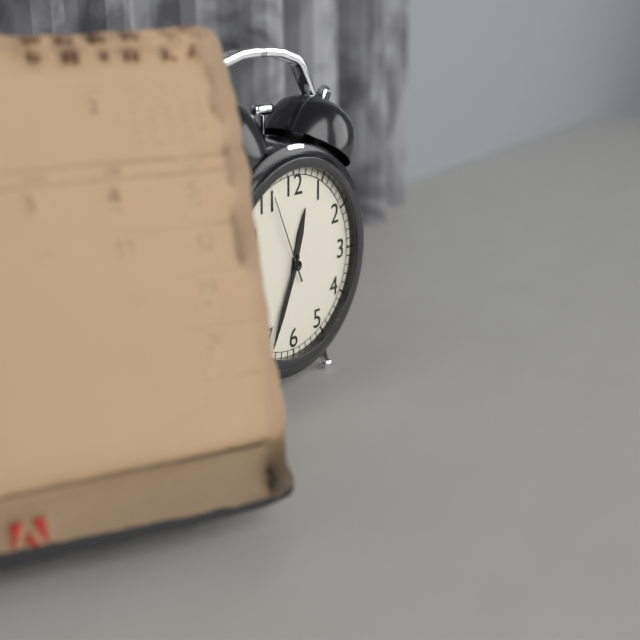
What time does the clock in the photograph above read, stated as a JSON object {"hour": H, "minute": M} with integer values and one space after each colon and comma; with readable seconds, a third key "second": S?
{"hour": 12, "minute": 34, "second": 56}
